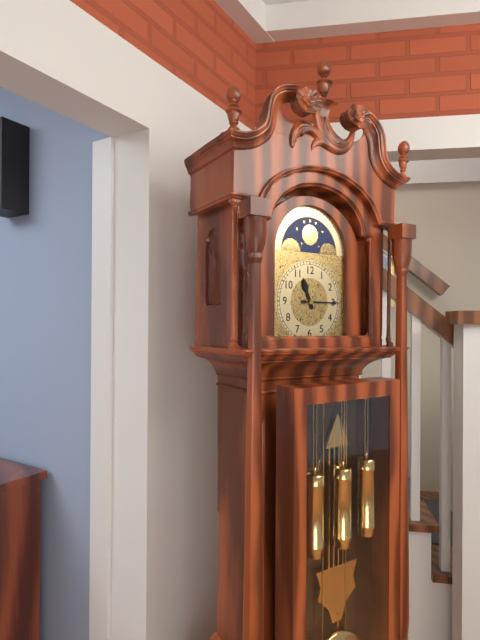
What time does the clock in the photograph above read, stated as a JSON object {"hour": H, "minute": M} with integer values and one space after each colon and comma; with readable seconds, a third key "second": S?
{"hour": 11, "minute": 15}
